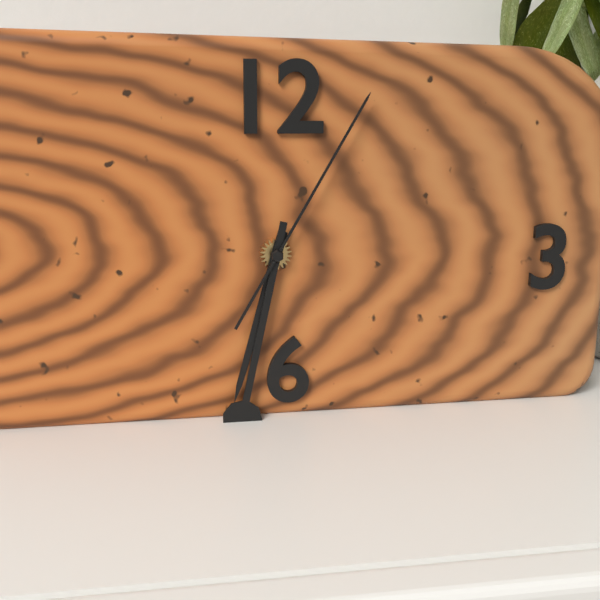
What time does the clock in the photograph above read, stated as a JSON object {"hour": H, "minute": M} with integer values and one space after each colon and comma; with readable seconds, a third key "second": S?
{"hour": 6, "minute": 32, "second": 5}
